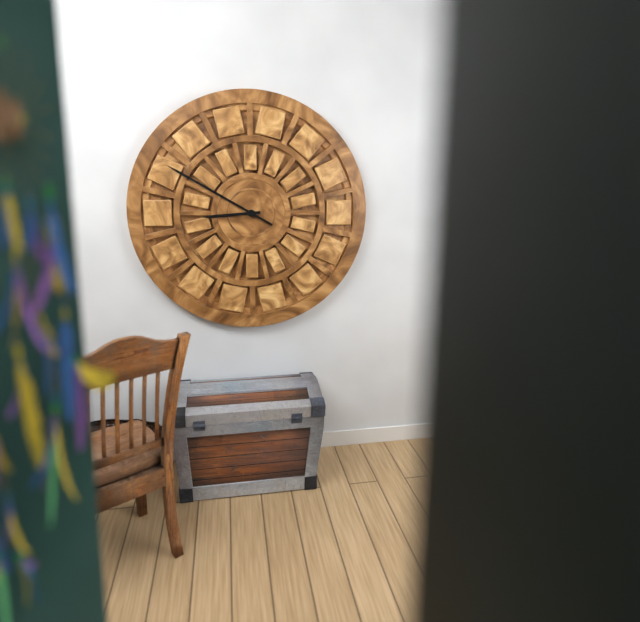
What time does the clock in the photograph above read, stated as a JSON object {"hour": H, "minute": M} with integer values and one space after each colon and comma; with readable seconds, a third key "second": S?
{"hour": 8, "minute": 50}
